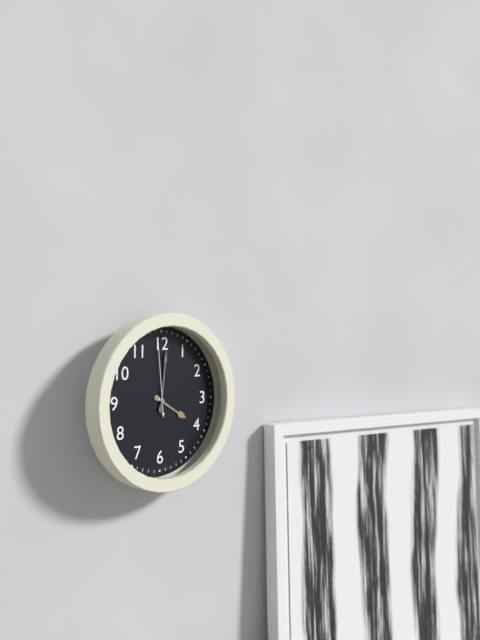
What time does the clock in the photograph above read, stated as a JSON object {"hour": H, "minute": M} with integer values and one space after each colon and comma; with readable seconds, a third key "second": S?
{"hour": 4, "minute": 1, "second": 59}
